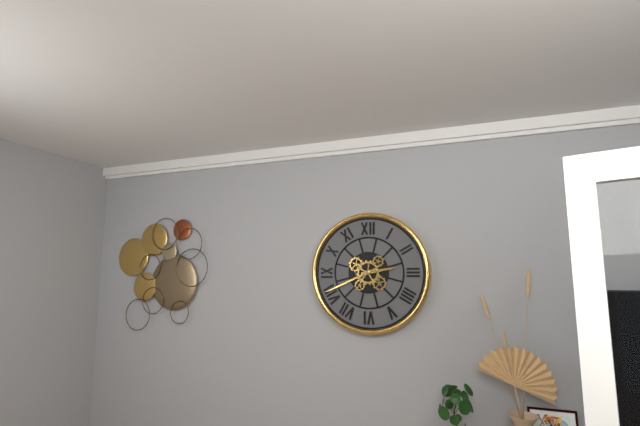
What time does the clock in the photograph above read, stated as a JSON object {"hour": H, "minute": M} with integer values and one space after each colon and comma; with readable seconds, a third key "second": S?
{"hour": 2, "minute": 41}
